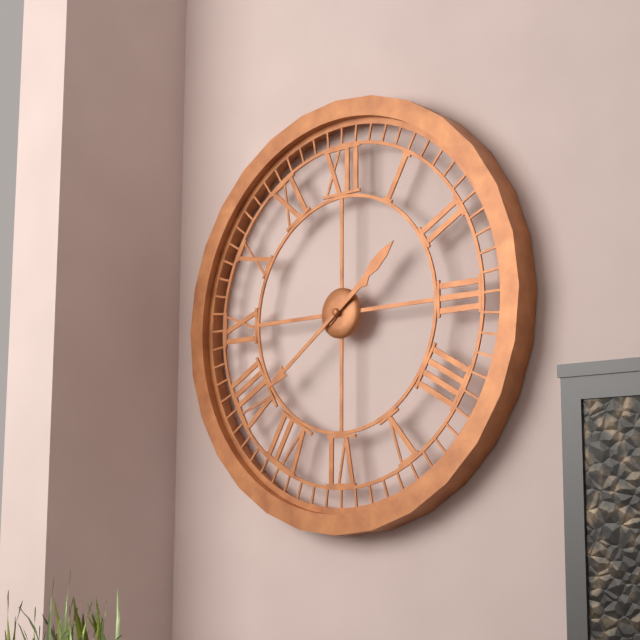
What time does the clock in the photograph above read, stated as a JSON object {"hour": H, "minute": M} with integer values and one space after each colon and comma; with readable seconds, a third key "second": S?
{"hour": 1, "minute": 39}
